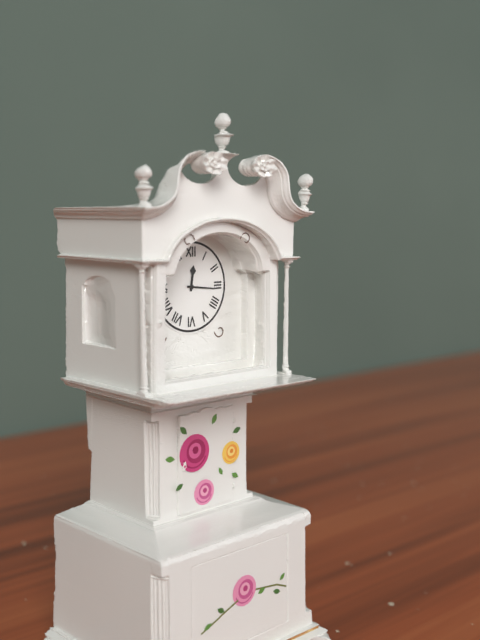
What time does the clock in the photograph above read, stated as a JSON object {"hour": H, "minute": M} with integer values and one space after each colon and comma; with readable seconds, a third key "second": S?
{"hour": 12, "minute": 16}
